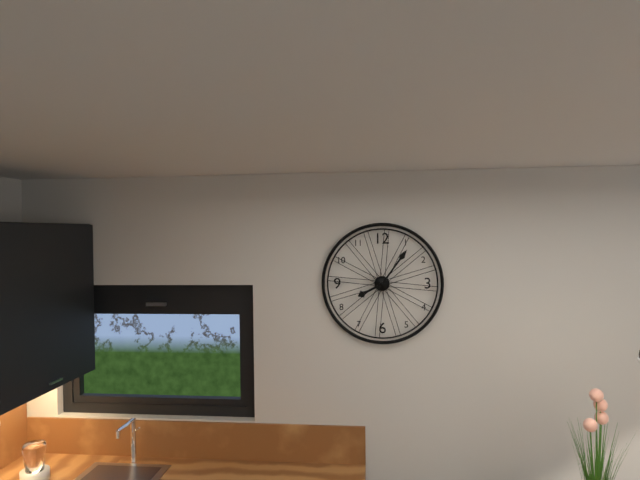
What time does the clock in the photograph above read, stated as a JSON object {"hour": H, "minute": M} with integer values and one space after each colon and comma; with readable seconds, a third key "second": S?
{"hour": 8, "minute": 6}
